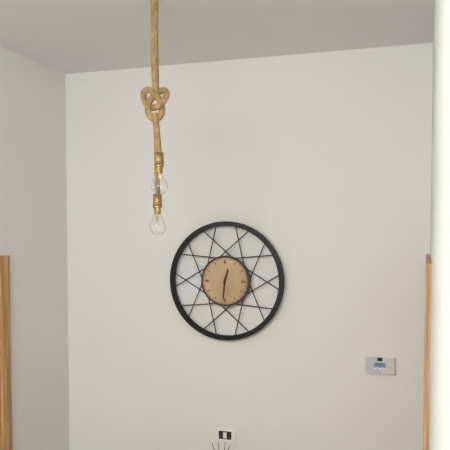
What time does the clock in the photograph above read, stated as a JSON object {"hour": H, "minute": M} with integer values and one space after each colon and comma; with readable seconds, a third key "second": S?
{"hour": 12, "minute": 31}
